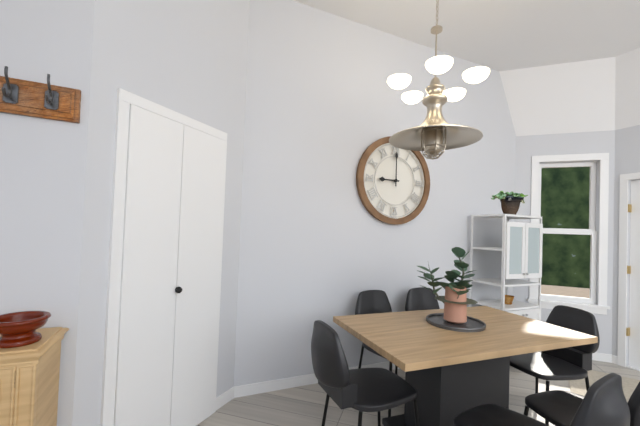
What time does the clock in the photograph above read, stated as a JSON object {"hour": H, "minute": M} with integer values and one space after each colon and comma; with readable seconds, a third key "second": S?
{"hour": 9, "minute": 0}
